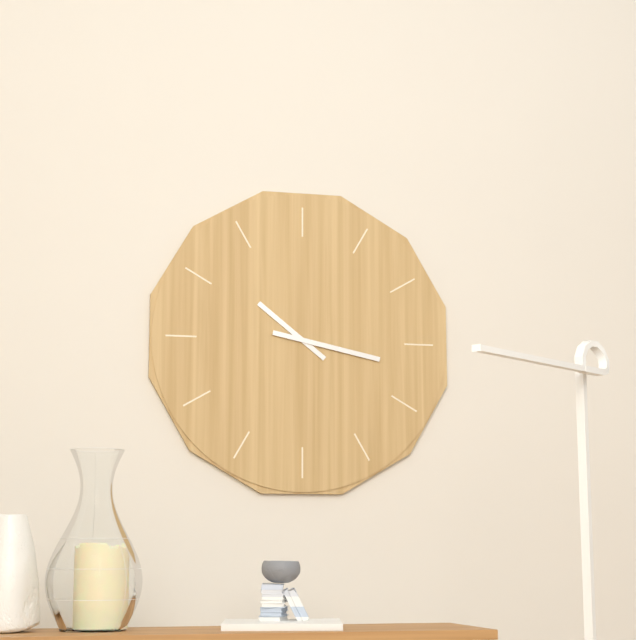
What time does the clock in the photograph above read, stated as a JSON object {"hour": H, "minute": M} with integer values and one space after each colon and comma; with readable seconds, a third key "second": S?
{"hour": 10, "minute": 17}
